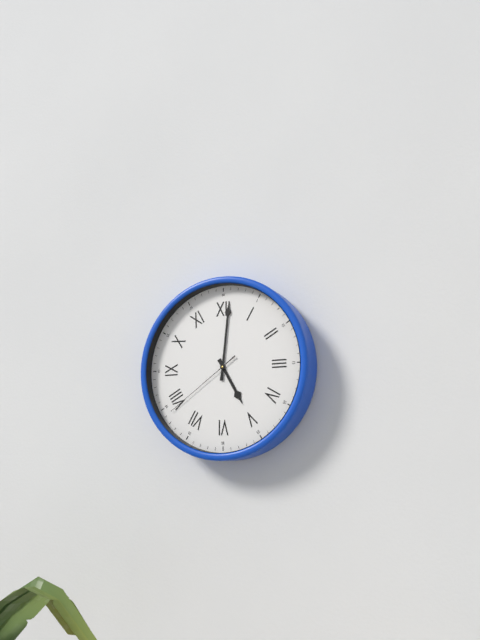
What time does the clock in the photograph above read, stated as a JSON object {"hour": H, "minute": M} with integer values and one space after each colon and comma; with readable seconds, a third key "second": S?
{"hour": 5, "minute": 1, "second": 39}
